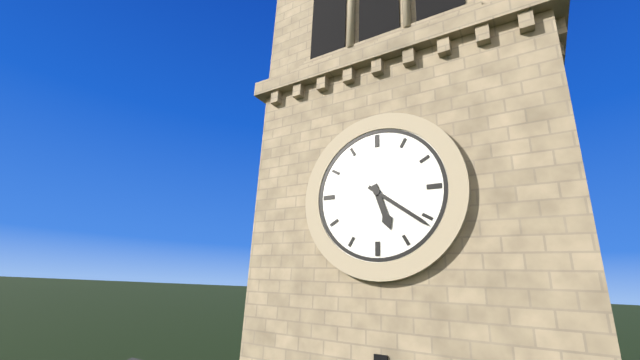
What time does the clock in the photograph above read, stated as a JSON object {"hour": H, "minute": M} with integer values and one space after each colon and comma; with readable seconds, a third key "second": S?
{"hour": 5, "minute": 21}
